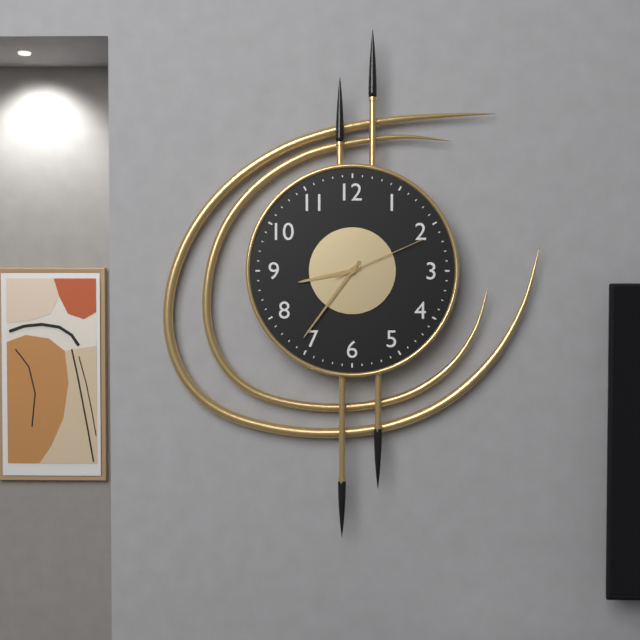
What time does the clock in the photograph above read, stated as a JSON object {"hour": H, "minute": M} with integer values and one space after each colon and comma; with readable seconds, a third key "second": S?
{"hour": 8, "minute": 36, "second": 11}
